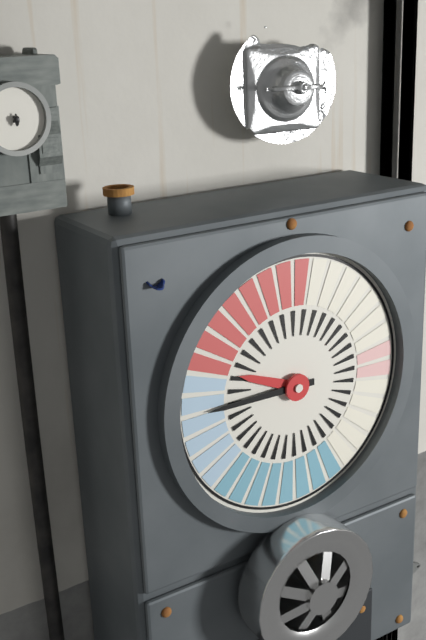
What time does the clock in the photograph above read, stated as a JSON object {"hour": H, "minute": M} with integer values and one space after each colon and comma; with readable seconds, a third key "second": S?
{"hour": 9, "minute": 45}
